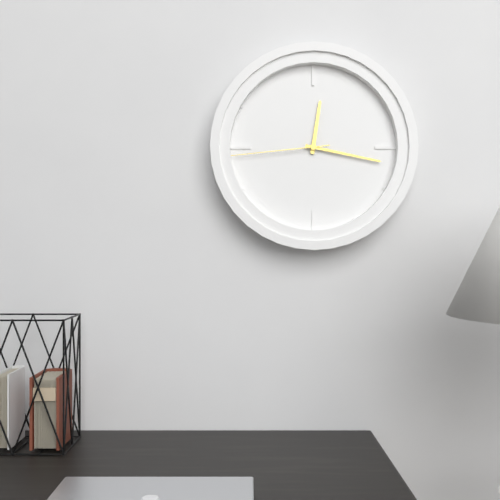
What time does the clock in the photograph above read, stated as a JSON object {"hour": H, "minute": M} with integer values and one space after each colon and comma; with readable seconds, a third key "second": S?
{"hour": 12, "minute": 17, "second": 44}
